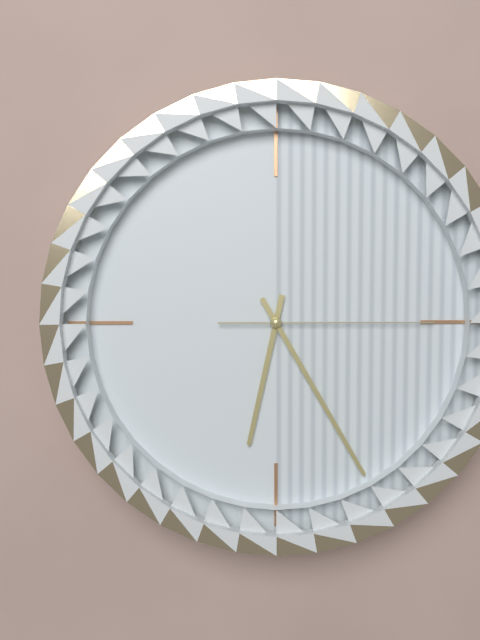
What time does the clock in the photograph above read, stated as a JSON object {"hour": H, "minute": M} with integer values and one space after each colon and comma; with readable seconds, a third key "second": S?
{"hour": 6, "minute": 25, "second": 15}
